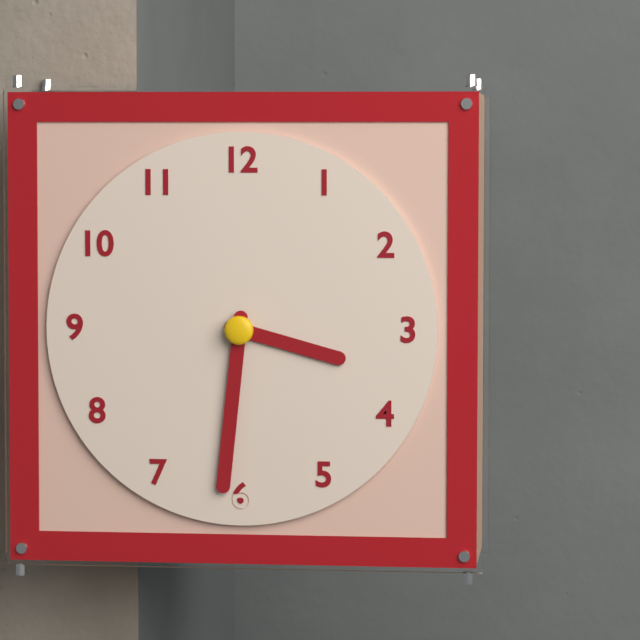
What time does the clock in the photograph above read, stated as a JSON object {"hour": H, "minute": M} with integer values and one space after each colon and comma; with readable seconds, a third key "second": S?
{"hour": 3, "minute": 31}
